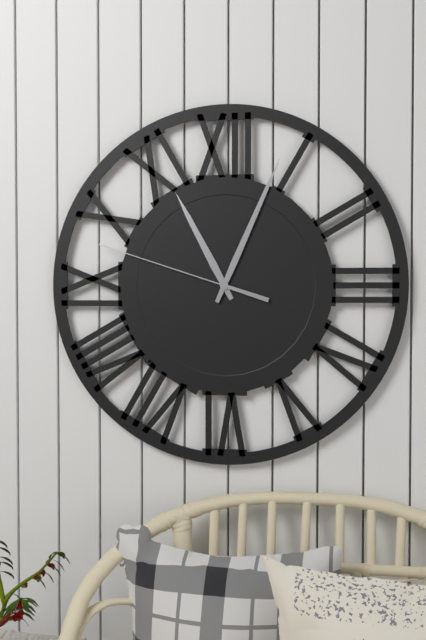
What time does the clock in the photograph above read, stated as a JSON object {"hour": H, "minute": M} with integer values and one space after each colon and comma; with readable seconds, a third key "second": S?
{"hour": 11, "minute": 4, "second": 48}
